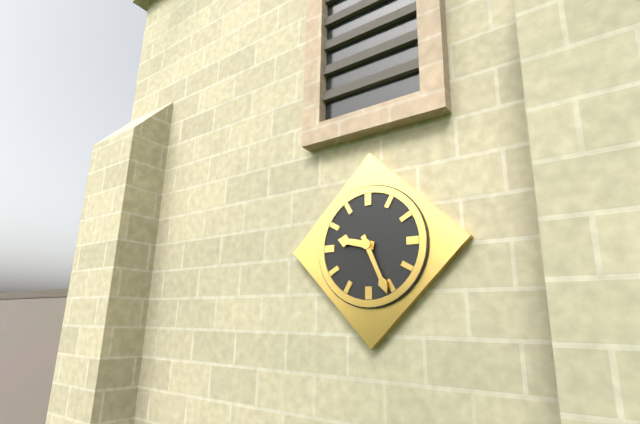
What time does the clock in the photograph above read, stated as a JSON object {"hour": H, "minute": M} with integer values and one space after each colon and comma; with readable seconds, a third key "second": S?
{"hour": 9, "minute": 26}
